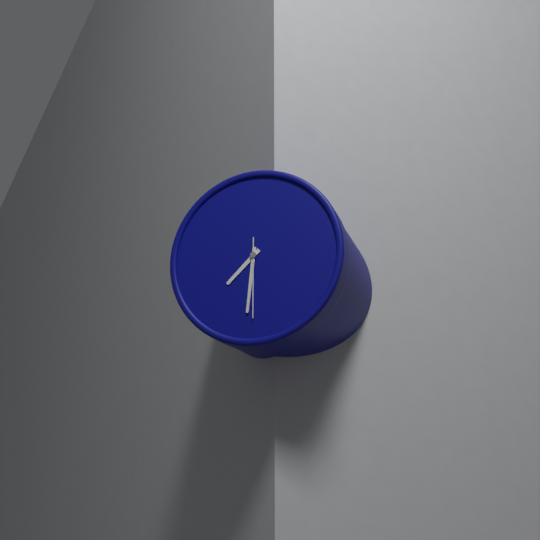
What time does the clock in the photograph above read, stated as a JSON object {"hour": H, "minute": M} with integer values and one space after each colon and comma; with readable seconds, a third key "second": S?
{"hour": 7, "minute": 31, "second": 30}
